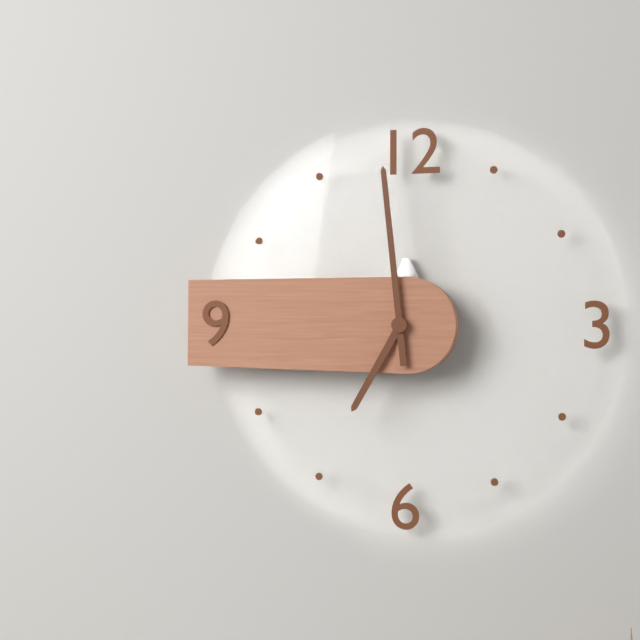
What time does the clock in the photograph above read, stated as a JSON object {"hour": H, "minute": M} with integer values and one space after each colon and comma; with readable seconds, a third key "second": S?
{"hour": 6, "minute": 59}
